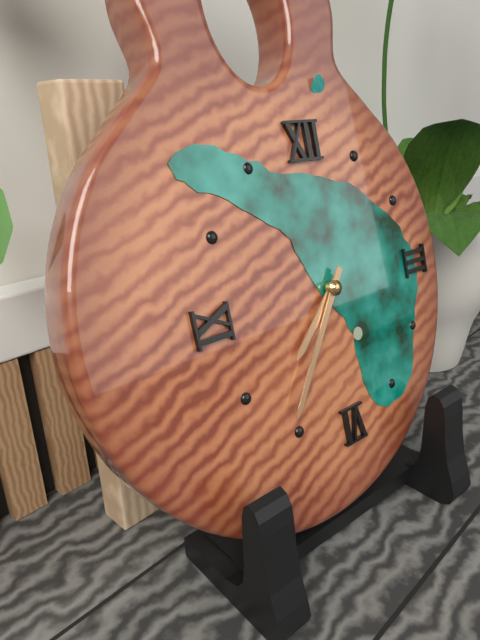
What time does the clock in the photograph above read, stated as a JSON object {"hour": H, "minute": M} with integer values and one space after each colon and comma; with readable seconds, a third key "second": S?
{"hour": 7, "minute": 36}
